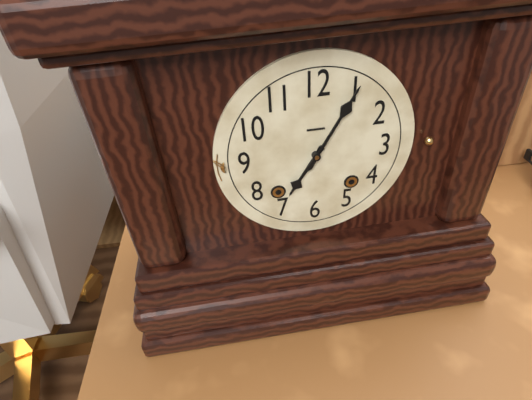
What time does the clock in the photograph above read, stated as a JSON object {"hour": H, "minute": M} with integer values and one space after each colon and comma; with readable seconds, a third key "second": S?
{"hour": 7, "minute": 5}
